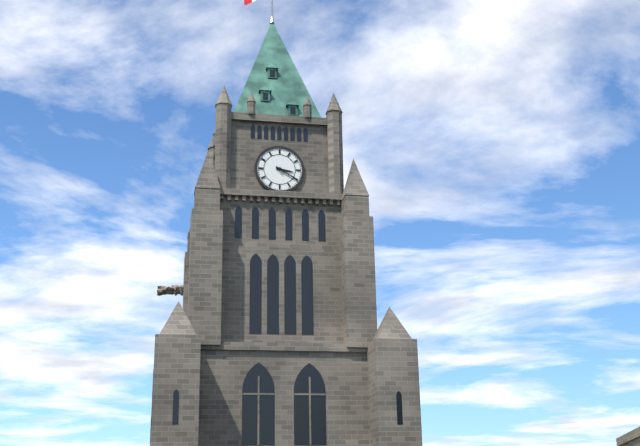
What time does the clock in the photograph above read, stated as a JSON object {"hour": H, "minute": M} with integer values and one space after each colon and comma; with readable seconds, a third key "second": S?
{"hour": 3, "minute": 20}
